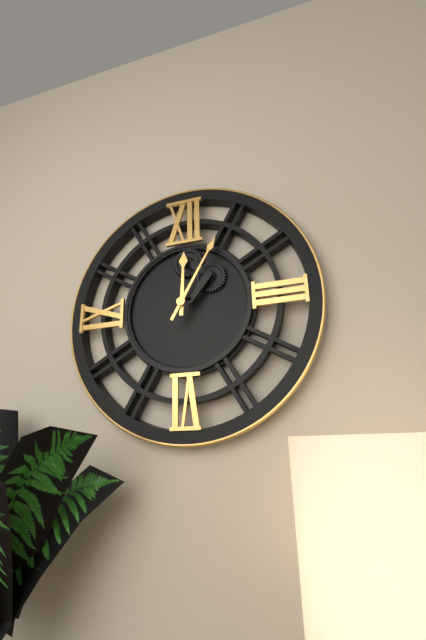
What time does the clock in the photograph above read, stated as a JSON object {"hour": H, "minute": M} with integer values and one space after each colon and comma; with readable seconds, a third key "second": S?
{"hour": 12, "minute": 5}
